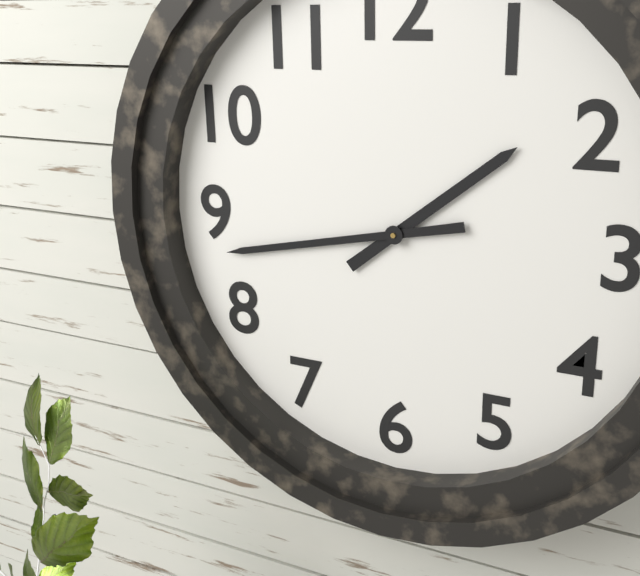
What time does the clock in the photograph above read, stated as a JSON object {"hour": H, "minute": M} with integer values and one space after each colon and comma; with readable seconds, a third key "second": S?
{"hour": 1, "minute": 43}
